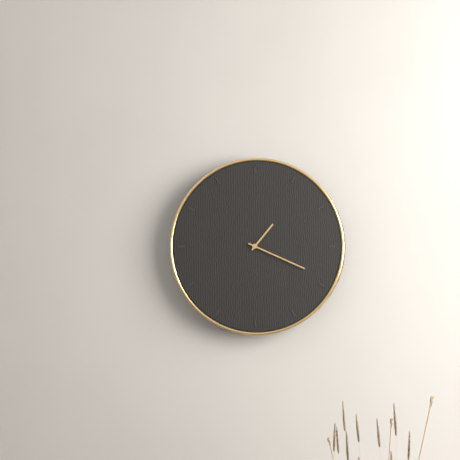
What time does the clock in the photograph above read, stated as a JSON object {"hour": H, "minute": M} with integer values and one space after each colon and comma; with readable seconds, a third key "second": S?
{"hour": 1, "minute": 19}
